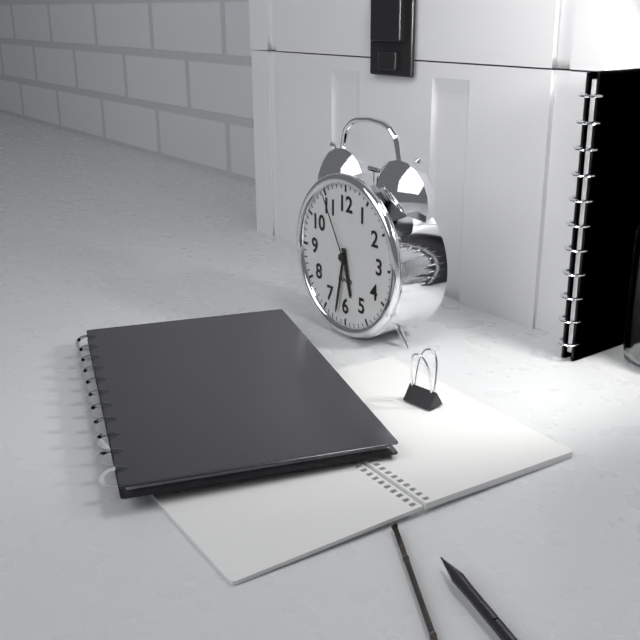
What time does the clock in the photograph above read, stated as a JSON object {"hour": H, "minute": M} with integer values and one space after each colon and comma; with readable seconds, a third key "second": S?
{"hour": 5, "minute": 32, "second": 55}
